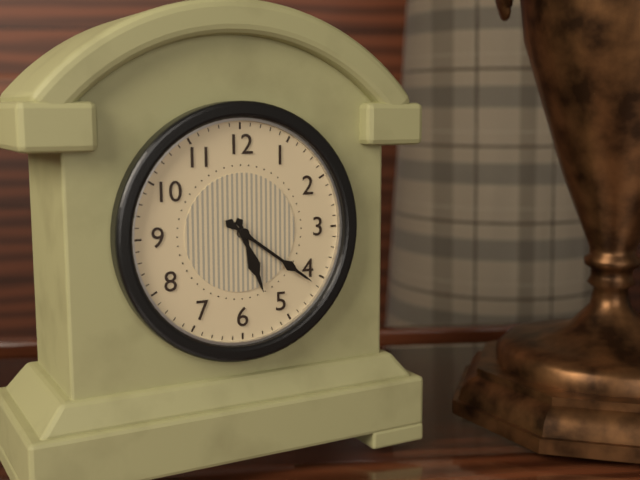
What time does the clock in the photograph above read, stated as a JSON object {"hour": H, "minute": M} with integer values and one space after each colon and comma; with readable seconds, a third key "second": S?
{"hour": 5, "minute": 21}
